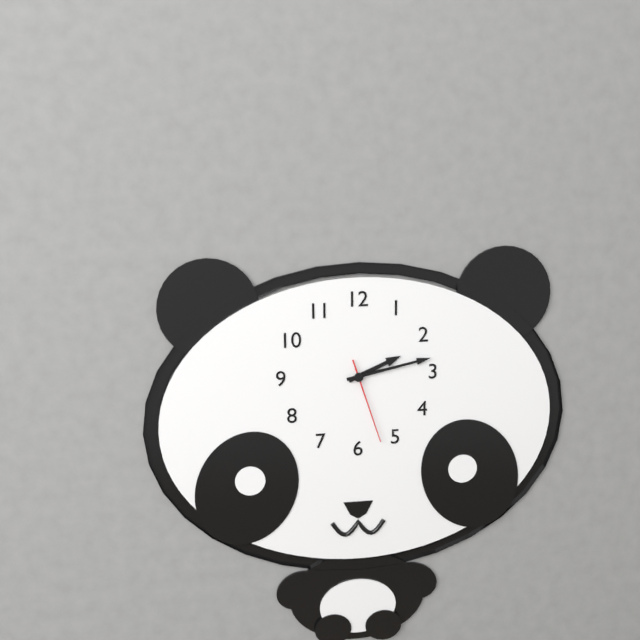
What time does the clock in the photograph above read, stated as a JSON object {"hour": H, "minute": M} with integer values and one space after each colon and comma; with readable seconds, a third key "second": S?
{"hour": 2, "minute": 13, "second": 27}
